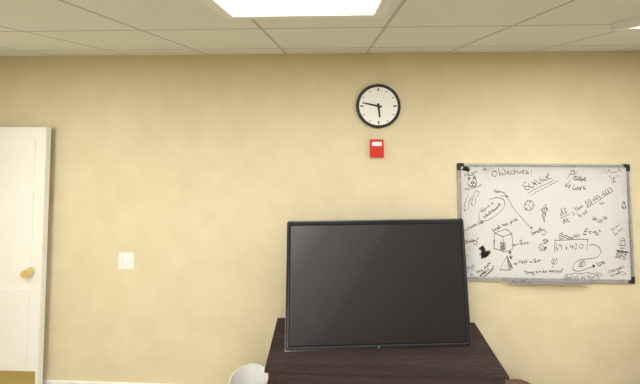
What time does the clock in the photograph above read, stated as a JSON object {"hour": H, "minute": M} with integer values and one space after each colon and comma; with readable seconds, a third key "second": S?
{"hour": 5, "minute": 47}
